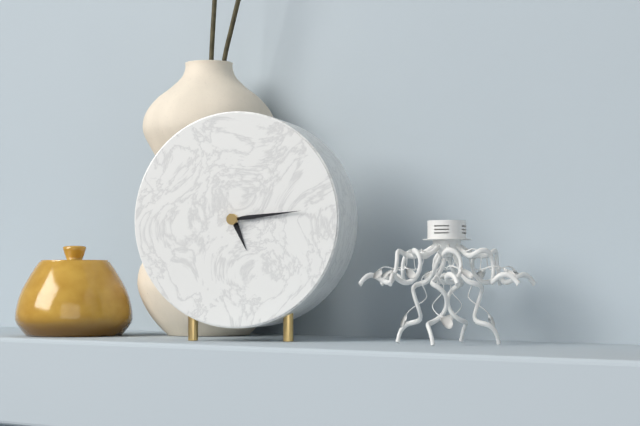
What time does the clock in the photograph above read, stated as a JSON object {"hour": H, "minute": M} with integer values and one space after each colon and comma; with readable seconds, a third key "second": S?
{"hour": 5, "minute": 14}
